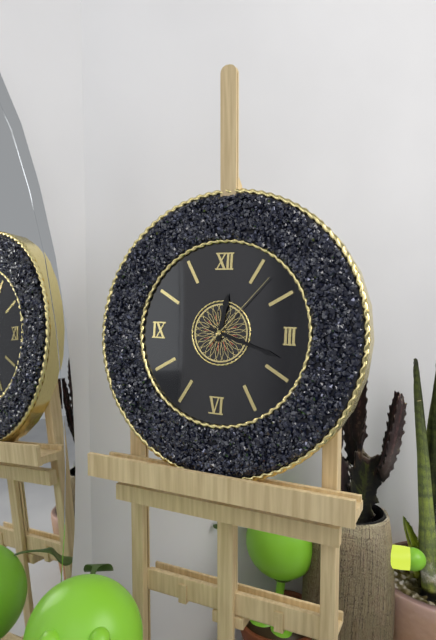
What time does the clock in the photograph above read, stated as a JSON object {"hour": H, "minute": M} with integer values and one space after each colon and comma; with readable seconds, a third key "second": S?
{"hour": 12, "minute": 18, "second": 7}
